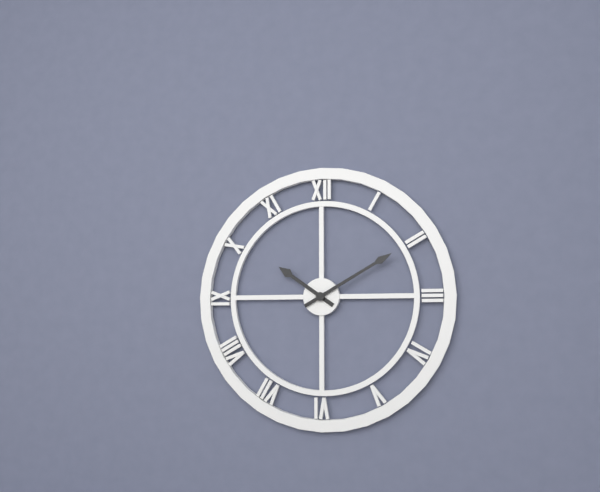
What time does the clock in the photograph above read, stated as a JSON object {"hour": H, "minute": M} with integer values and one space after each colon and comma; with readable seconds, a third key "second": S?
{"hour": 10, "minute": 10}
